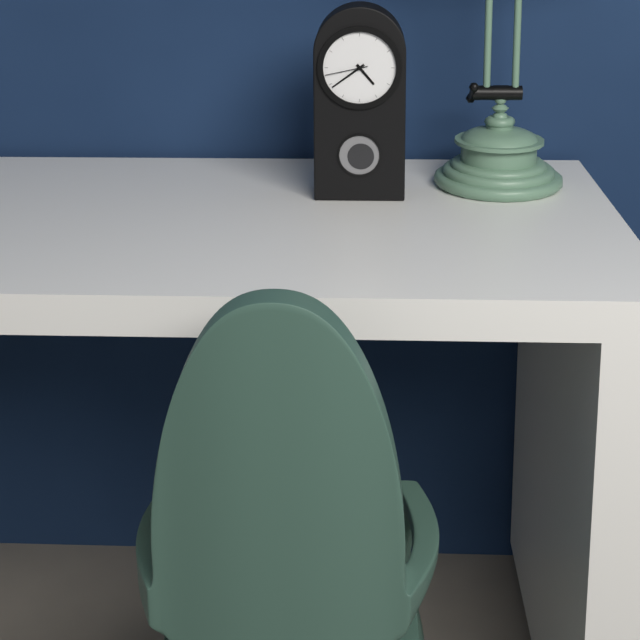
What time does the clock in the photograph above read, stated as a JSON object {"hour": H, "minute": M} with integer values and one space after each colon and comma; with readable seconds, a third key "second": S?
{"hour": 4, "minute": 39}
